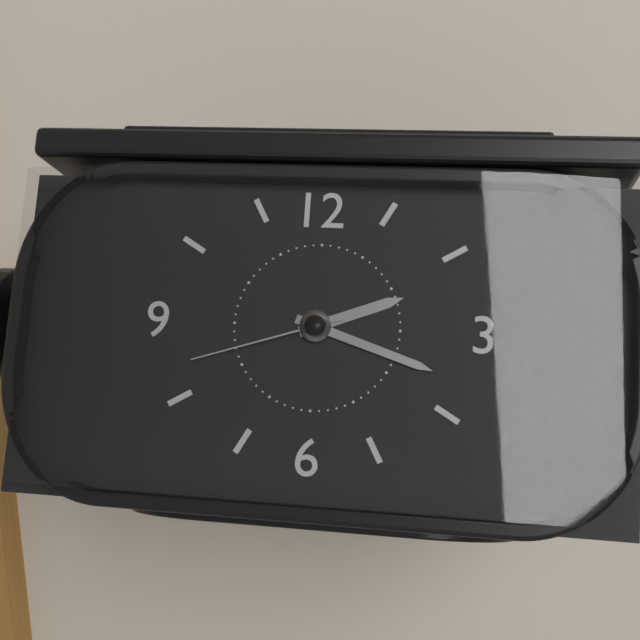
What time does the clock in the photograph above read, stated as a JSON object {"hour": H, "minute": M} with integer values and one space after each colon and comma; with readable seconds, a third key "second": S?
{"hour": 2, "minute": 18, "second": 42}
